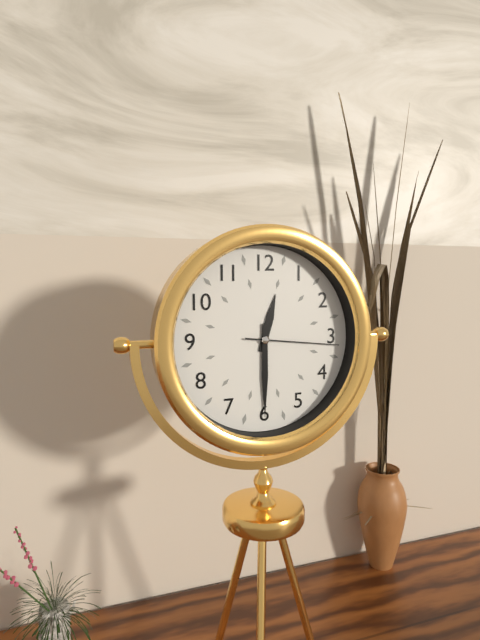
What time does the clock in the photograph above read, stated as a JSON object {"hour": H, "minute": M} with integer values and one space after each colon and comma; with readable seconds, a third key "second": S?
{"hour": 12, "minute": 30, "second": 16}
